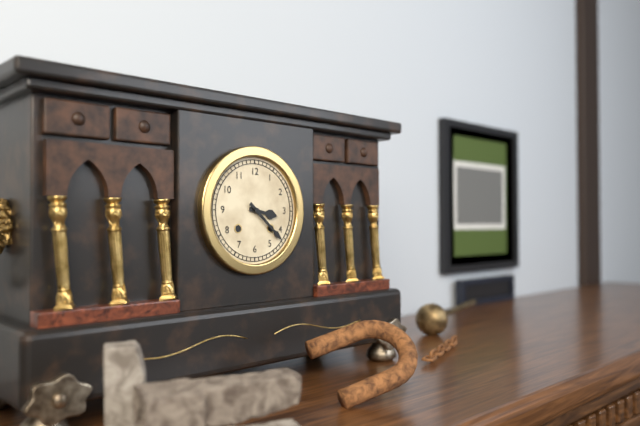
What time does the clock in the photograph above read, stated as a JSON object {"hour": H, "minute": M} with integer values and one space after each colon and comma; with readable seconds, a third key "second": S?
{"hour": 3, "minute": 22}
